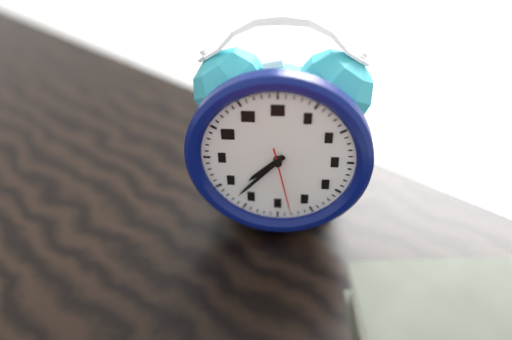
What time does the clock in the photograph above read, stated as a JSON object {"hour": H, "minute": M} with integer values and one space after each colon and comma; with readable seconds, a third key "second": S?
{"hour": 7, "minute": 37, "second": 28}
